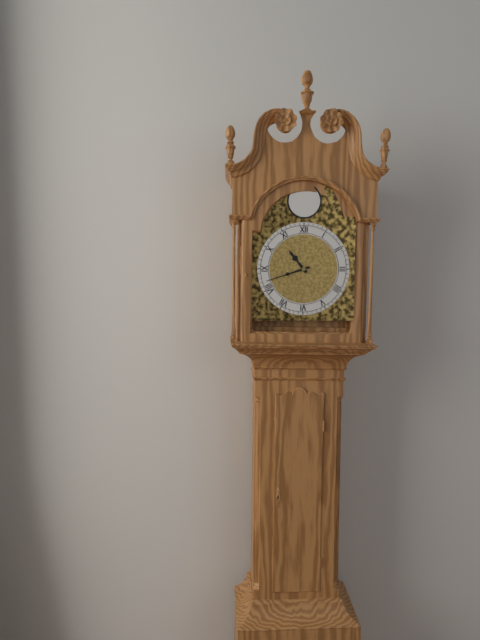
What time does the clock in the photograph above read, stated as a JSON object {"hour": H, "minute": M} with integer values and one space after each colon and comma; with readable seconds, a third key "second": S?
{"hour": 10, "minute": 42}
